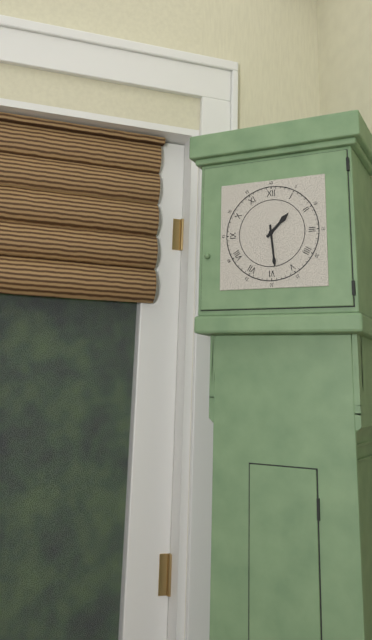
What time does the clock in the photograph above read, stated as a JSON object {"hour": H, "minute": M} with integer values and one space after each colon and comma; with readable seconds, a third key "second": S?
{"hour": 1, "minute": 29}
